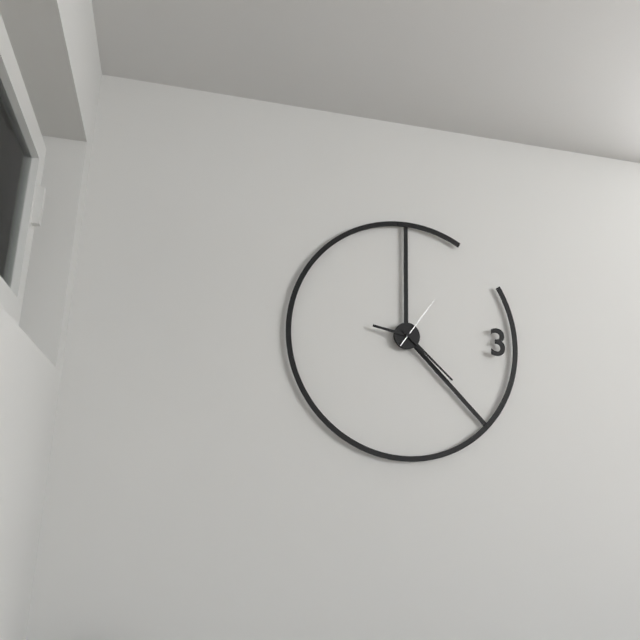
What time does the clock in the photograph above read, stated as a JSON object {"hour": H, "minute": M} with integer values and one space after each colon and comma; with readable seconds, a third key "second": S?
{"hour": 9, "minute": 22, "second": 6}
